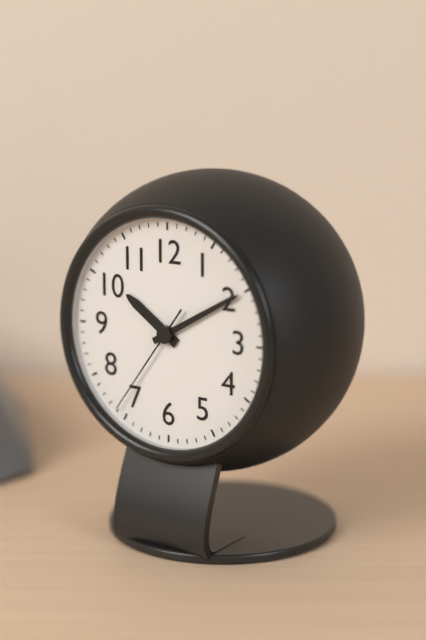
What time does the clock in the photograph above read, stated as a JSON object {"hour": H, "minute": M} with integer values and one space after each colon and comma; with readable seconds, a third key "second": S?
{"hour": 10, "minute": 10, "second": 36}
